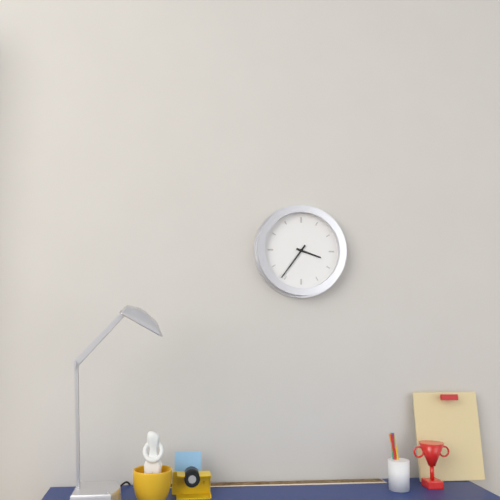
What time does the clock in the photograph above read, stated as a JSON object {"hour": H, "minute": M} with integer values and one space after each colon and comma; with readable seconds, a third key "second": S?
{"hour": 3, "minute": 36}
